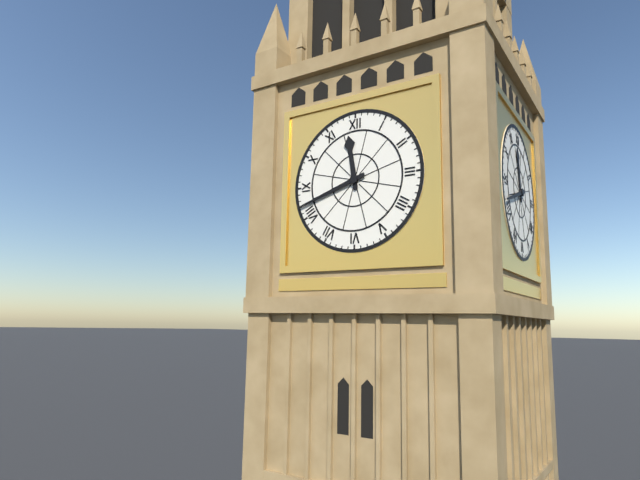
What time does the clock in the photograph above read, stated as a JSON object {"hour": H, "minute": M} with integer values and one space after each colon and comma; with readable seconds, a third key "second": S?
{"hour": 11, "minute": 42}
